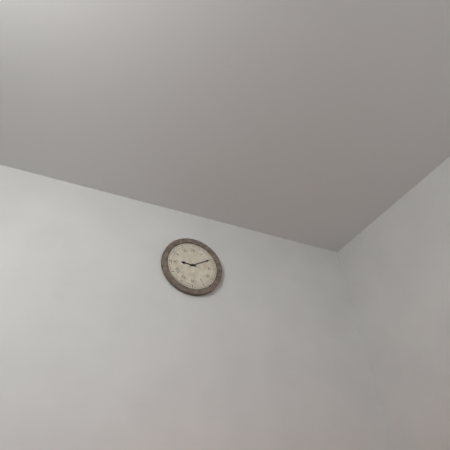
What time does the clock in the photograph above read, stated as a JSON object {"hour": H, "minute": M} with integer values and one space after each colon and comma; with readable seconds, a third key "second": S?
{"hour": 9, "minute": 10}
